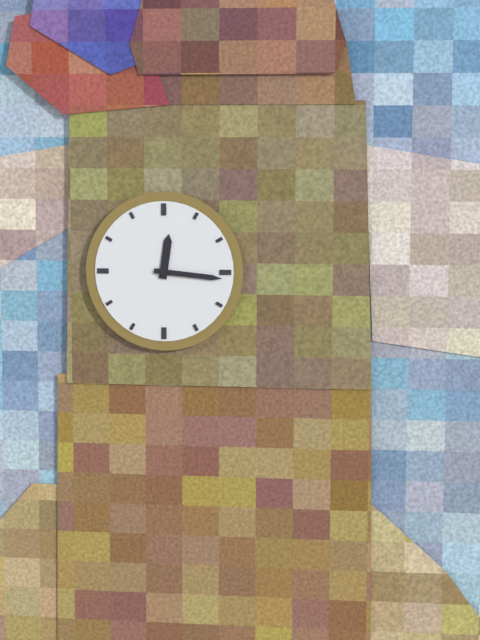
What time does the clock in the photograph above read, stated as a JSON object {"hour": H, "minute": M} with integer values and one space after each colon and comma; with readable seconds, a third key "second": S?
{"hour": 12, "minute": 16}
